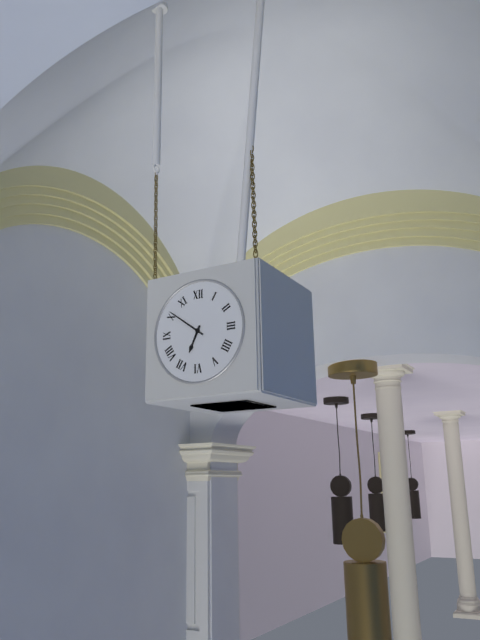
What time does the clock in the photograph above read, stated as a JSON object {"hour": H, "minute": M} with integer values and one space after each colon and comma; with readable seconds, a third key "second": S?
{"hour": 6, "minute": 51}
